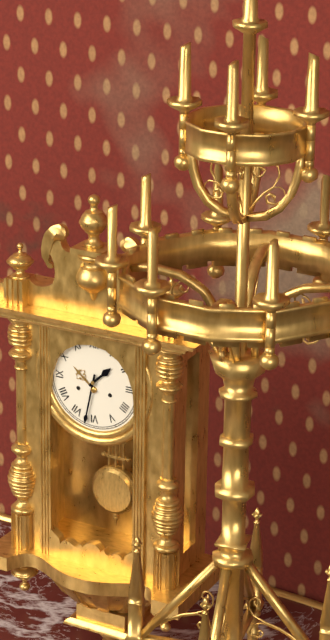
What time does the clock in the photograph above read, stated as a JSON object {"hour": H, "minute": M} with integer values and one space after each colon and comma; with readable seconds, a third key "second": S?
{"hour": 1, "minute": 32}
